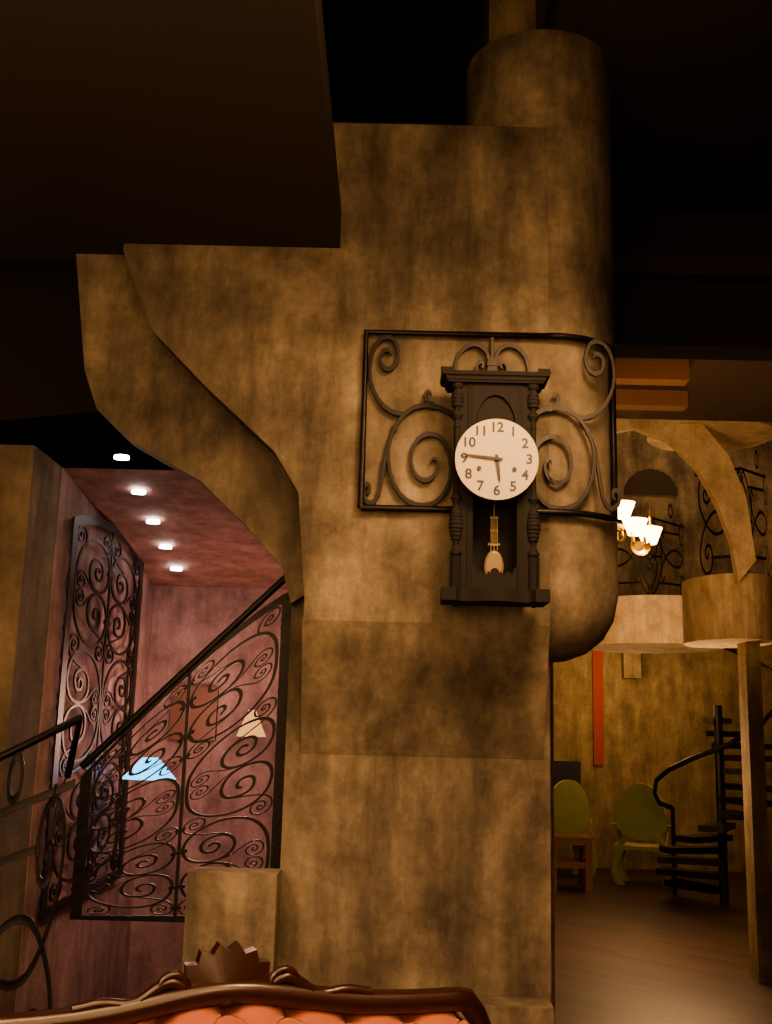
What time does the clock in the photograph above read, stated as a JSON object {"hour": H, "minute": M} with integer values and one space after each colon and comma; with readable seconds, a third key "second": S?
{"hour": 5, "minute": 46}
